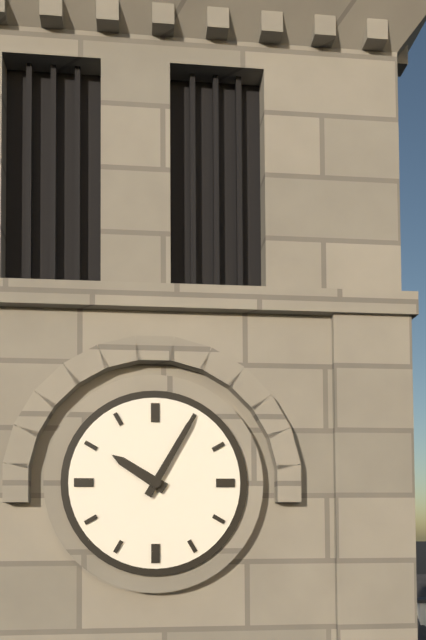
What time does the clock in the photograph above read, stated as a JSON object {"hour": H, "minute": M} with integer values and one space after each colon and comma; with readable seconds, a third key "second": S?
{"hour": 10, "minute": 5}
